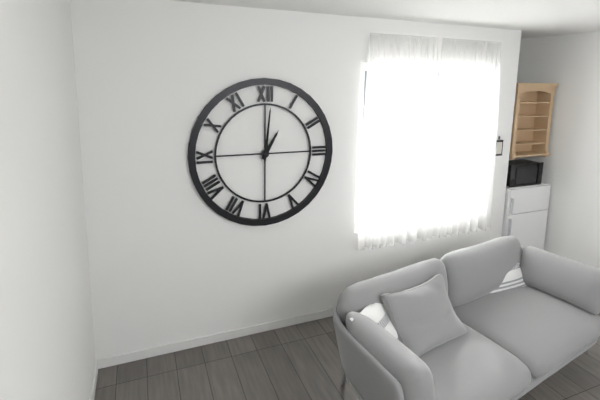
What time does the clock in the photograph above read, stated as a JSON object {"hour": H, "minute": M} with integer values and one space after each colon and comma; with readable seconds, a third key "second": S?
{"hour": 1, "minute": 1}
